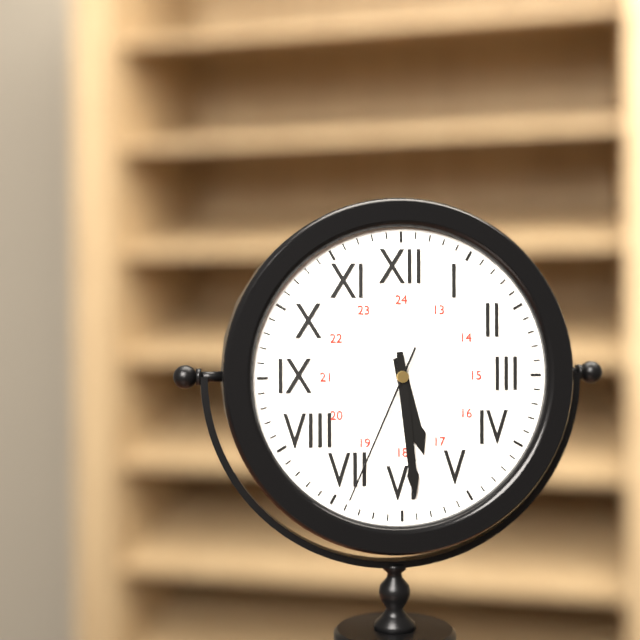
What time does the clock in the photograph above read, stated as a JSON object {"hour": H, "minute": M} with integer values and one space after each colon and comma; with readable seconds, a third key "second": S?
{"hour": 5, "minute": 29, "second": 34}
